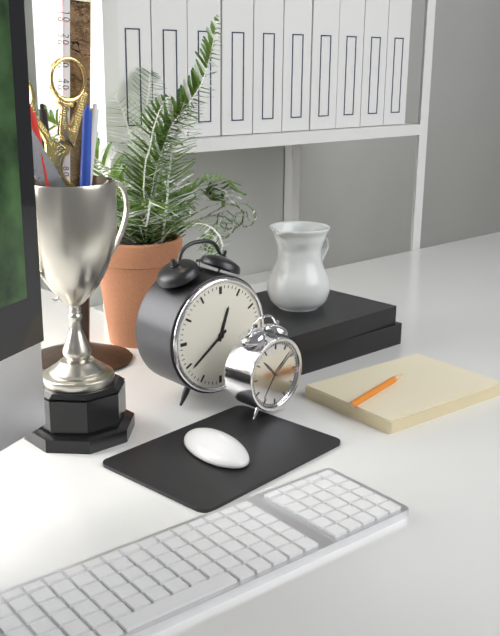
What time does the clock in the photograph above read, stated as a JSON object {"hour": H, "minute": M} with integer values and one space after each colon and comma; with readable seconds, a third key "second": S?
{"hour": 12, "minute": 39}
